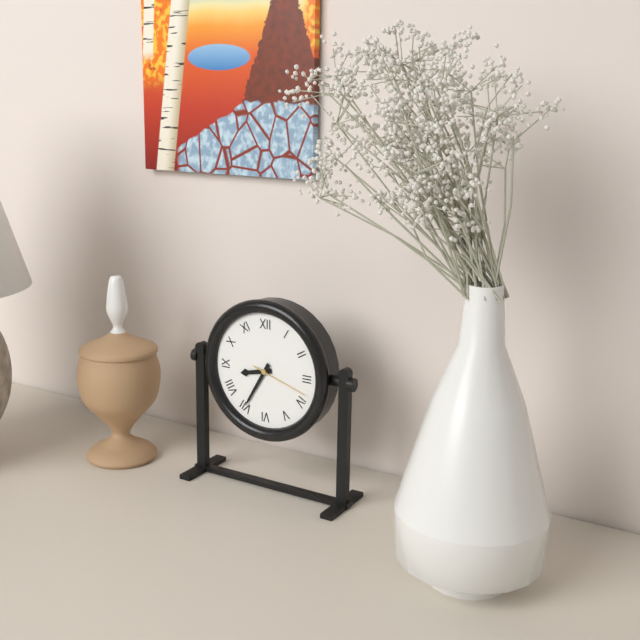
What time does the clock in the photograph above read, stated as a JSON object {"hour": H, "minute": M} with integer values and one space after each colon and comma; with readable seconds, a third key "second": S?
{"hour": 8, "minute": 35, "second": 18}
